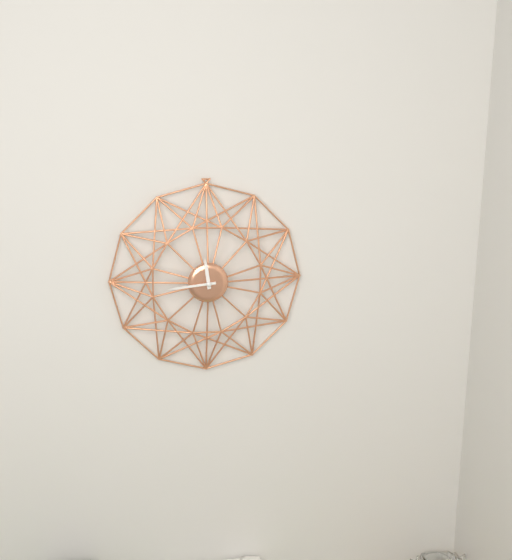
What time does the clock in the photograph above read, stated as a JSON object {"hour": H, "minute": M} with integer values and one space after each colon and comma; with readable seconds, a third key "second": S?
{"hour": 11, "minute": 44}
